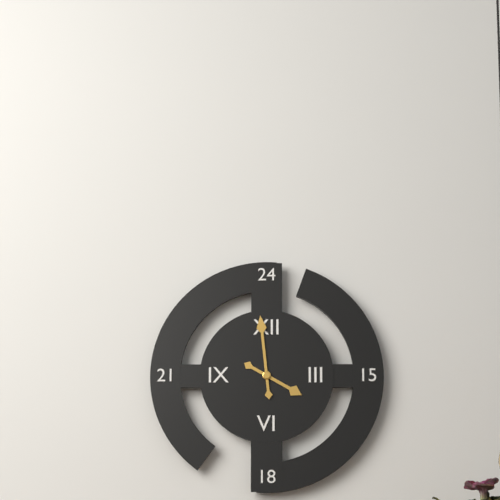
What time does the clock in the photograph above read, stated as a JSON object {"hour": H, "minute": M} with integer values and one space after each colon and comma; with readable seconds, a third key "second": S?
{"hour": 3, "minute": 59}
